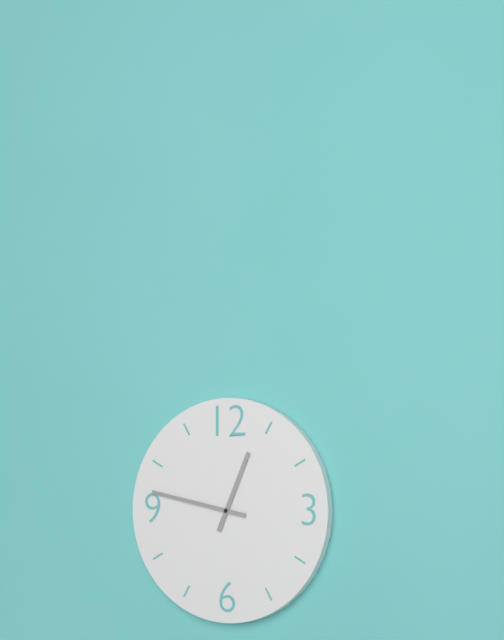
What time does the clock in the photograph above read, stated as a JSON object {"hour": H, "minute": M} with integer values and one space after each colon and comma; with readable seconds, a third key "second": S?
{"hour": 12, "minute": 47}
